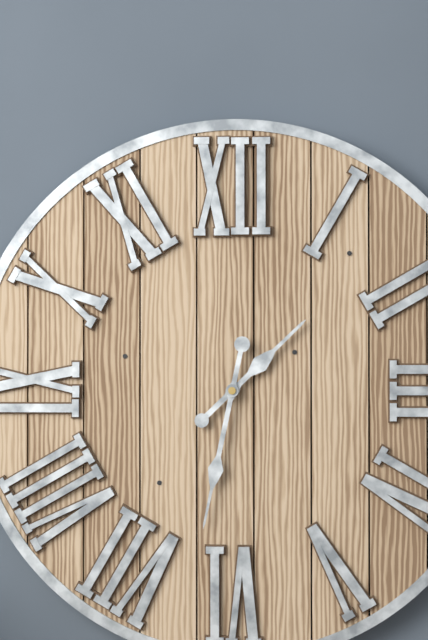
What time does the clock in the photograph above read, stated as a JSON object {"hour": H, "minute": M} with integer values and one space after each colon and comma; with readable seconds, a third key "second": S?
{"hour": 1, "minute": 32}
